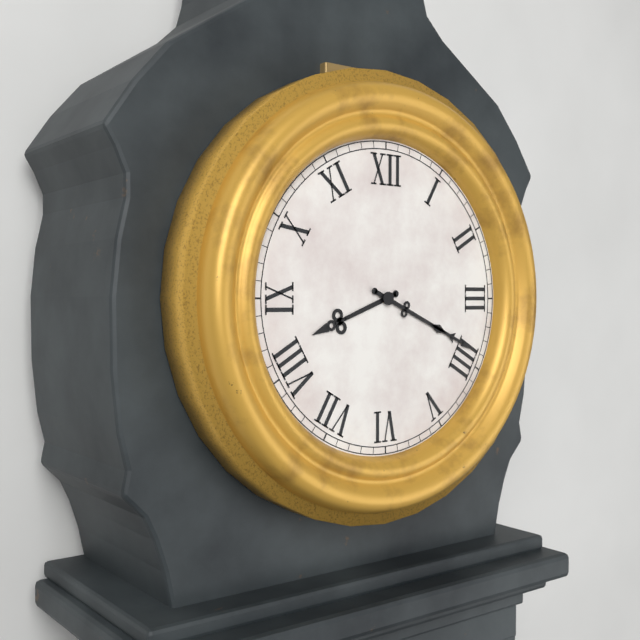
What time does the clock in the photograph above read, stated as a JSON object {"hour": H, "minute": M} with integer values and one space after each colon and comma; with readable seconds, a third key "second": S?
{"hour": 8, "minute": 19}
